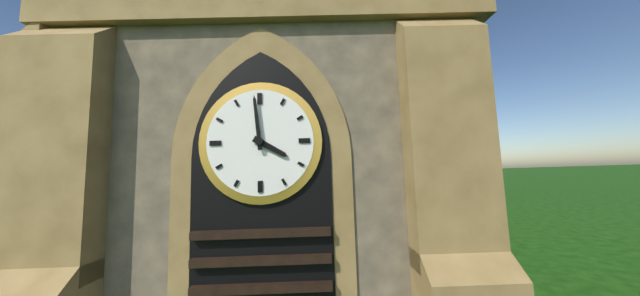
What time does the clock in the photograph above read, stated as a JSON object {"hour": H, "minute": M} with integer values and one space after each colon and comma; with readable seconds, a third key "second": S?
{"hour": 3, "minute": 59}
